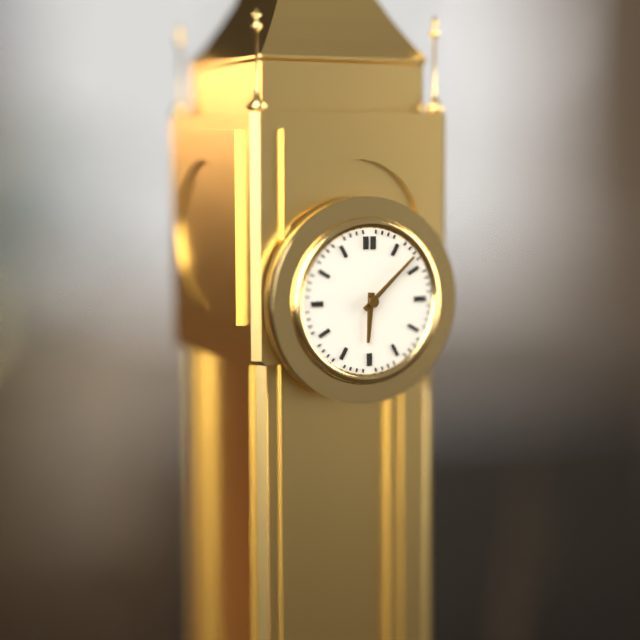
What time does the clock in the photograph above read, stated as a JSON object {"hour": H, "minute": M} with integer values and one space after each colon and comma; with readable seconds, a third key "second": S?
{"hour": 6, "minute": 8}
